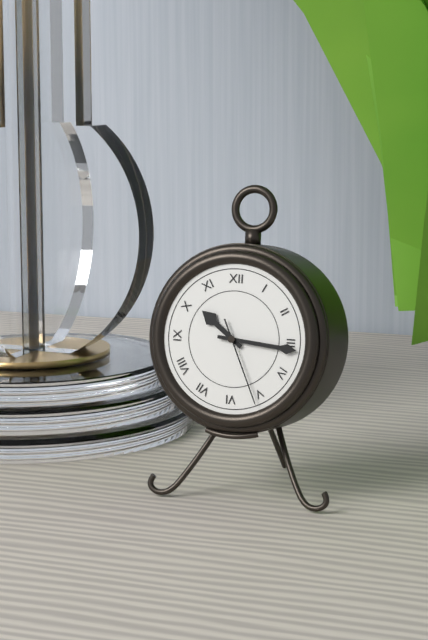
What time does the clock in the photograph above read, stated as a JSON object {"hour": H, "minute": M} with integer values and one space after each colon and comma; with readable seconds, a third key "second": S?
{"hour": 10, "minute": 16, "second": 26}
